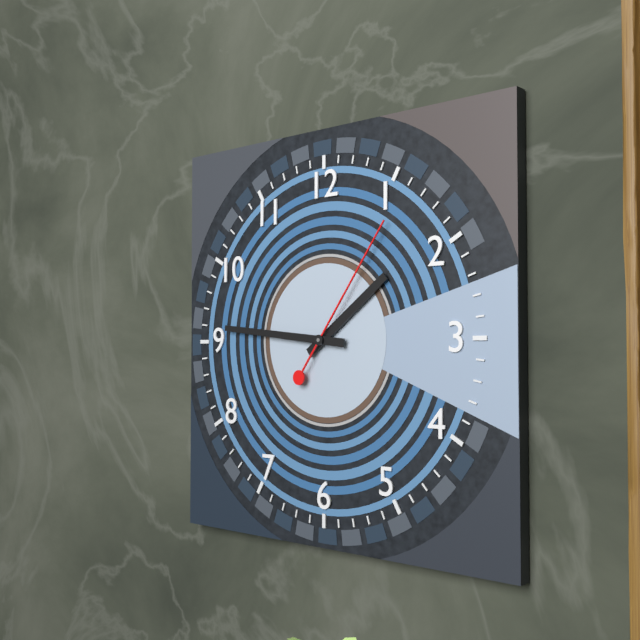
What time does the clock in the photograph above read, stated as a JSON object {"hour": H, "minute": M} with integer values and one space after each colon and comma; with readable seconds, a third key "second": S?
{"hour": 1, "minute": 46, "second": 6}
